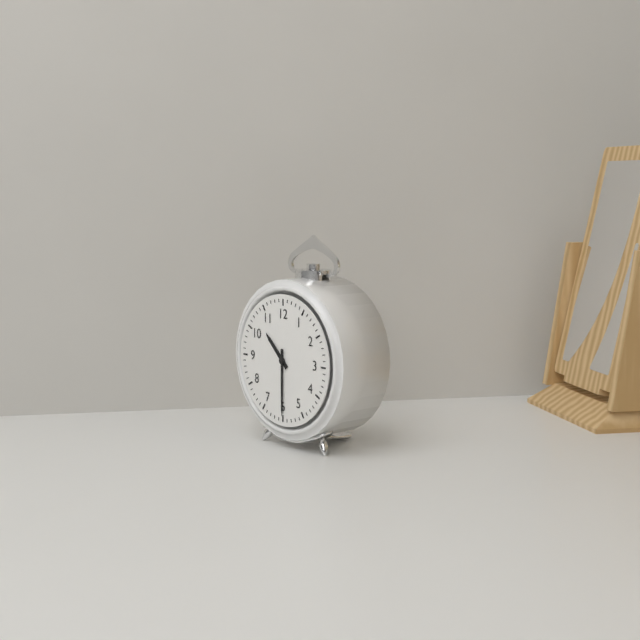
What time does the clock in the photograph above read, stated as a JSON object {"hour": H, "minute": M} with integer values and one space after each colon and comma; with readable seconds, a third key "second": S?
{"hour": 10, "minute": 30}
